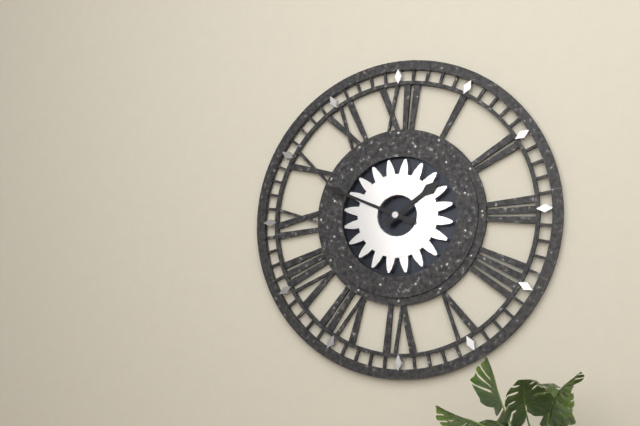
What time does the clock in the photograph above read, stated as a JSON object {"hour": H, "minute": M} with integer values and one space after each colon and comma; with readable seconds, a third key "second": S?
{"hour": 1, "minute": 49}
